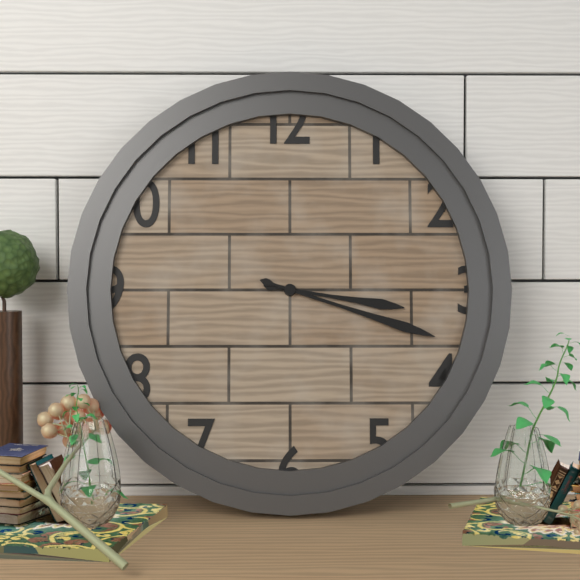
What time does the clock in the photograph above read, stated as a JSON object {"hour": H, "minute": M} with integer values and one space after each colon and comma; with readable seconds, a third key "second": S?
{"hour": 3, "minute": 18}
